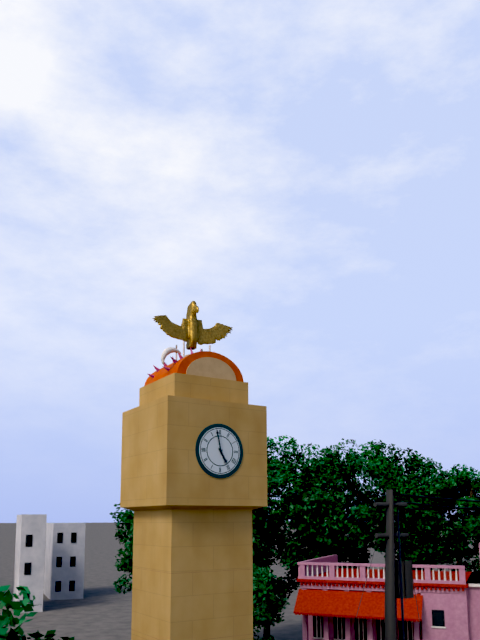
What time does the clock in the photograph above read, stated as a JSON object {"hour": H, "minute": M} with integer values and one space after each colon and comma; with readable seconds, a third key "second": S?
{"hour": 4, "minute": 58}
